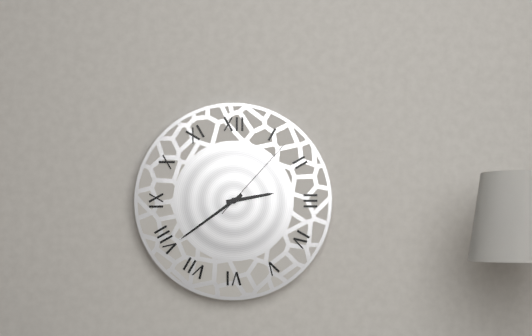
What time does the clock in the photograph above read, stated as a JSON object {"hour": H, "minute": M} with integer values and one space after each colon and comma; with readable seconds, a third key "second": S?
{"hour": 2, "minute": 39, "second": 7}
